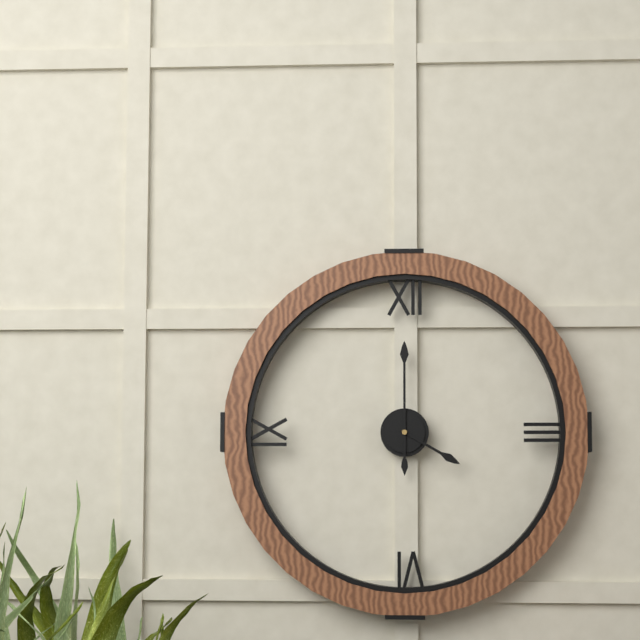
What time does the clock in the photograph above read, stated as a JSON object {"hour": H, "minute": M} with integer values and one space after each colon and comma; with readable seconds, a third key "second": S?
{"hour": 4, "minute": 0}
